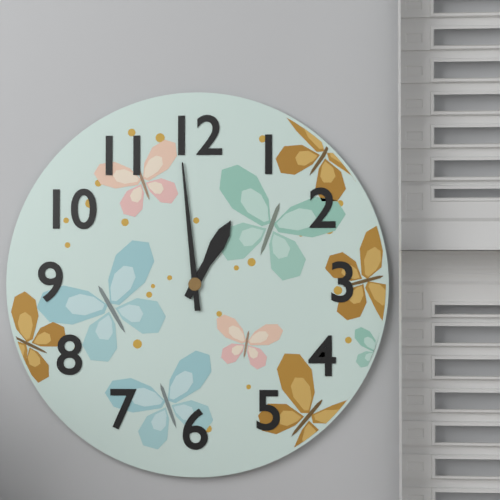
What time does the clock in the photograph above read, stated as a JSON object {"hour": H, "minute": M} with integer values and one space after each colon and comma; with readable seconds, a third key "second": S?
{"hour": 12, "minute": 59}
